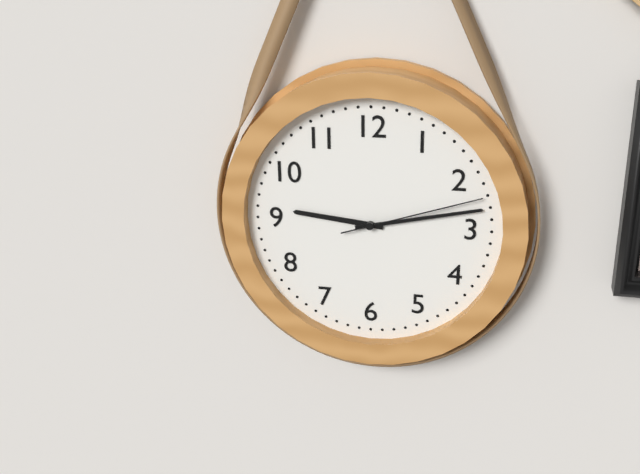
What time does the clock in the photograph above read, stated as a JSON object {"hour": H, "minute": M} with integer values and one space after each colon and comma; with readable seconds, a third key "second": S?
{"hour": 9, "minute": 13, "second": 12}
